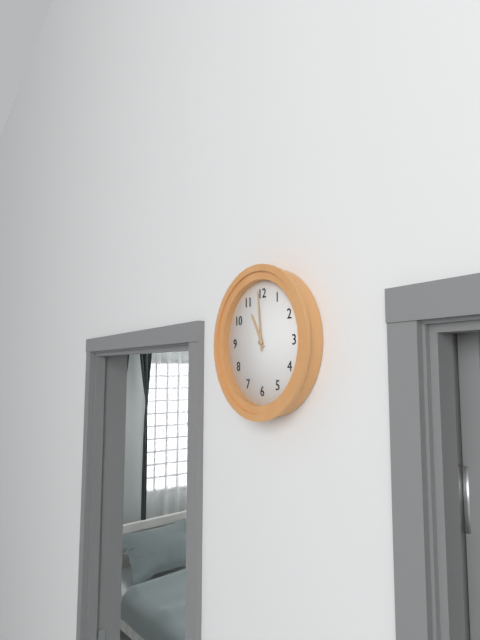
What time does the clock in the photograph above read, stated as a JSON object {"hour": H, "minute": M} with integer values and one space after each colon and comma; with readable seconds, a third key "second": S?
{"hour": 10, "minute": 59}
